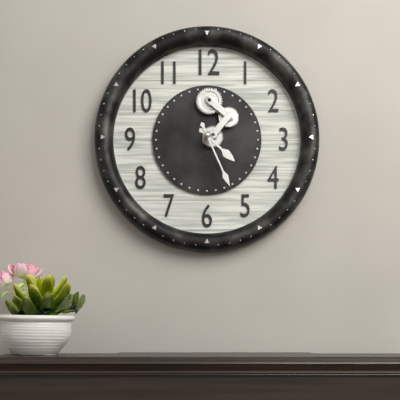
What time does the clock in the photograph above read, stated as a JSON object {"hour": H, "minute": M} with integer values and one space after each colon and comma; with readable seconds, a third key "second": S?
{"hour": 4, "minute": 26}
